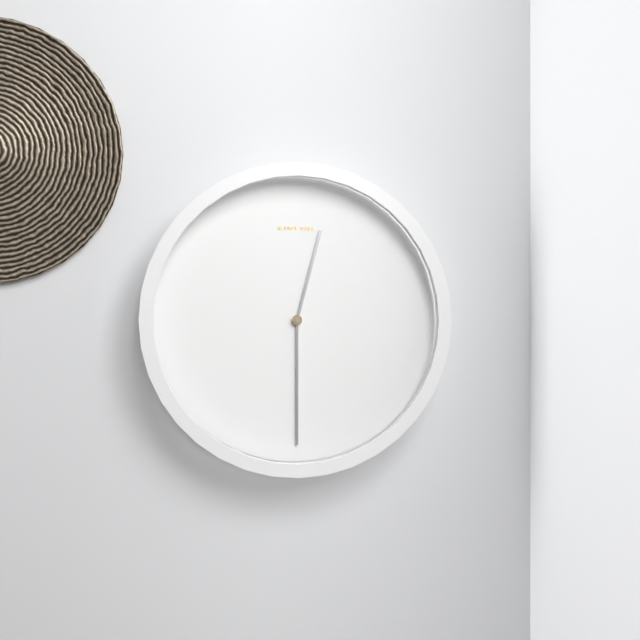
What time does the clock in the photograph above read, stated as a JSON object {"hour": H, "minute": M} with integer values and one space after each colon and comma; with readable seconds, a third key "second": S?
{"hour": 12, "minute": 30}
